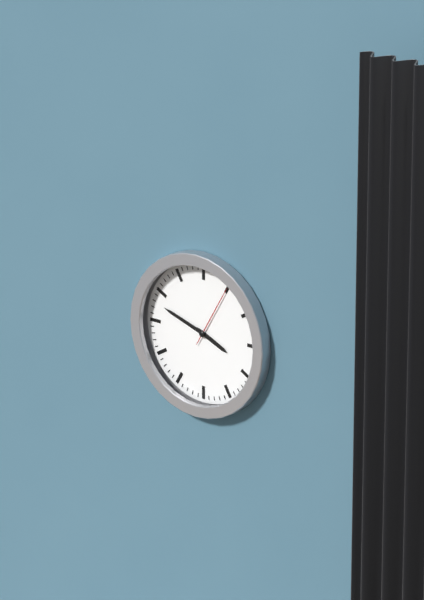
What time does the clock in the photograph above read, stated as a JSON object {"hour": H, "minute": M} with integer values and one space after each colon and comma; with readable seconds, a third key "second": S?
{"hour": 3, "minute": 48, "second": 5}
